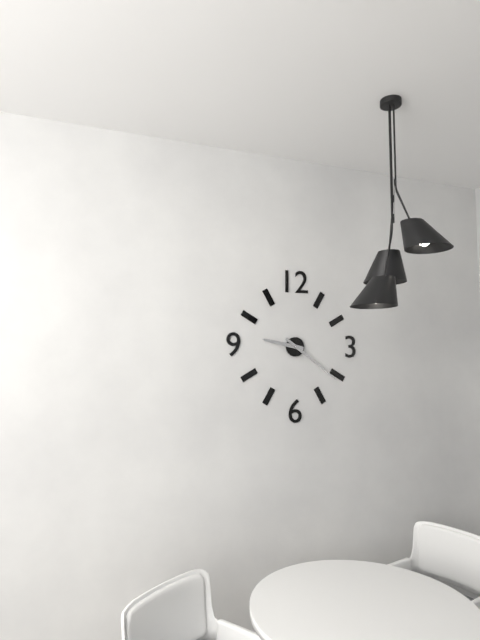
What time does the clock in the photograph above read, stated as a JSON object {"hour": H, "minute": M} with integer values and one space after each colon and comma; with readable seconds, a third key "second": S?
{"hour": 9, "minute": 21}
